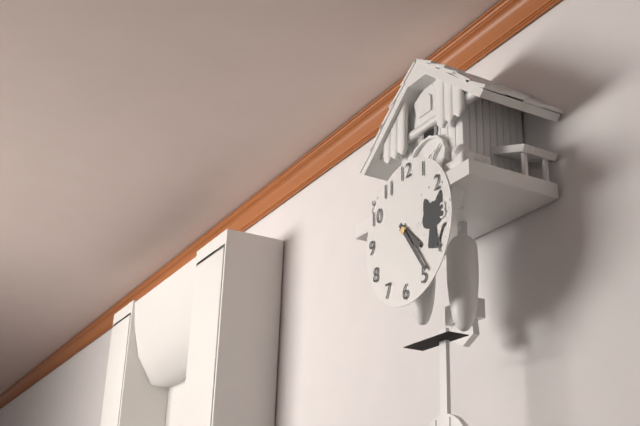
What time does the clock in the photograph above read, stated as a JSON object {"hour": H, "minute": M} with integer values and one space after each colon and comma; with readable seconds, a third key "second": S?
{"hour": 4, "minute": 24}
